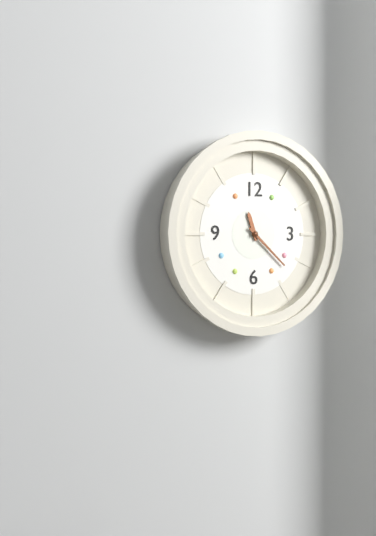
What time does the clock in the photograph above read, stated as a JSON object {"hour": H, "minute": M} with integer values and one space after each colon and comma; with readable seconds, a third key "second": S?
{"hour": 11, "minute": 22}
